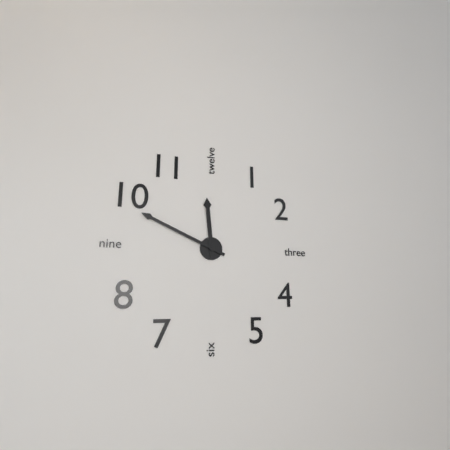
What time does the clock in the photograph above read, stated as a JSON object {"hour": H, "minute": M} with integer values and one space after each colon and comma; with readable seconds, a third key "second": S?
{"hour": 11, "minute": 49}
